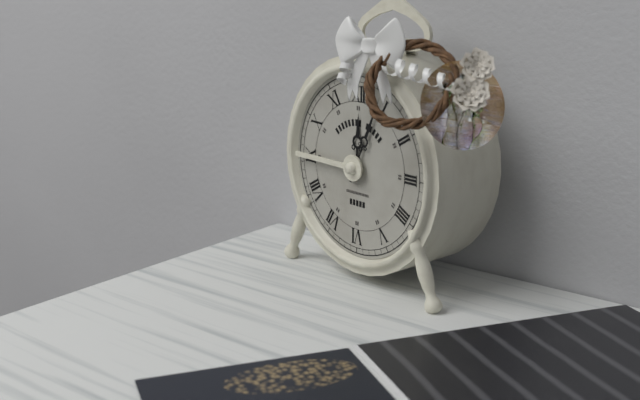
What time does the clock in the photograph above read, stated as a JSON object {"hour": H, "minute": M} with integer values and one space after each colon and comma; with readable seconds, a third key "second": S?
{"hour": 12, "minute": 4}
